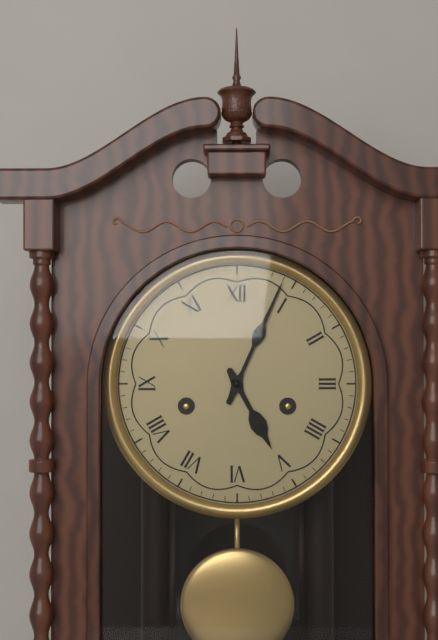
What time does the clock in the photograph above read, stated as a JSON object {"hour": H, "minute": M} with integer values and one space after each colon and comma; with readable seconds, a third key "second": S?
{"hour": 5, "minute": 4}
